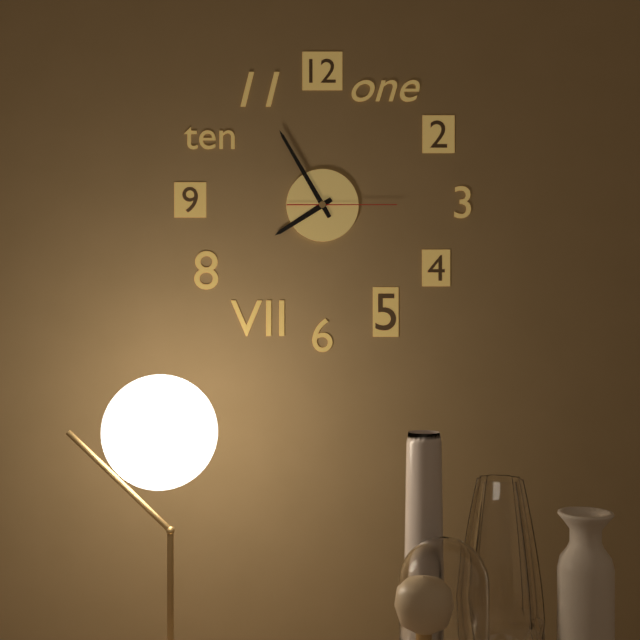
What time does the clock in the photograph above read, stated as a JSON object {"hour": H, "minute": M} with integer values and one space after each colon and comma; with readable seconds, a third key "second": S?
{"hour": 7, "minute": 55, "second": 15}
